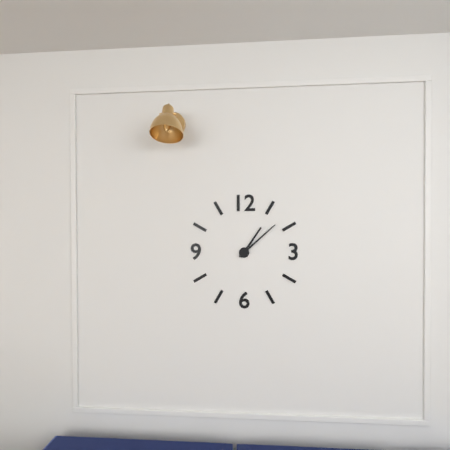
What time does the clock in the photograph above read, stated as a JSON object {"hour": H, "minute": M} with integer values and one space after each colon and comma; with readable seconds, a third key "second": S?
{"hour": 1, "minute": 8}
